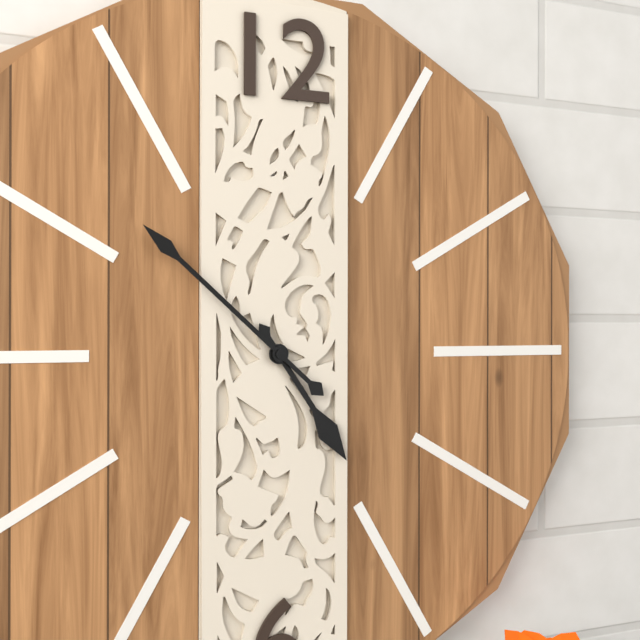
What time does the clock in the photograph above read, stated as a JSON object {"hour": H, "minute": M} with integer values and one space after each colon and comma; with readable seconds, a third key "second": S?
{"hour": 4, "minute": 52}
